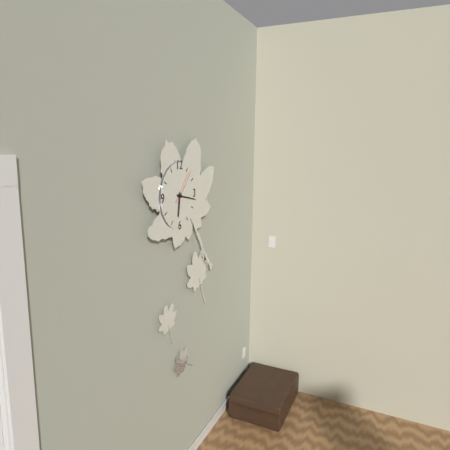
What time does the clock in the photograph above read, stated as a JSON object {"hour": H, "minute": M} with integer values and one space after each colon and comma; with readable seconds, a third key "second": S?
{"hour": 6, "minute": 17}
